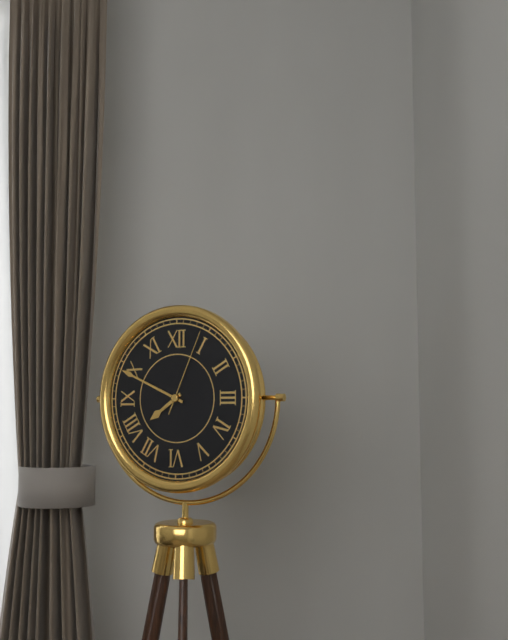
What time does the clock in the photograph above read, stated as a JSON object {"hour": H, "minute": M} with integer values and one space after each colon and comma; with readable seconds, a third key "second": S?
{"hour": 7, "minute": 49, "second": 4}
